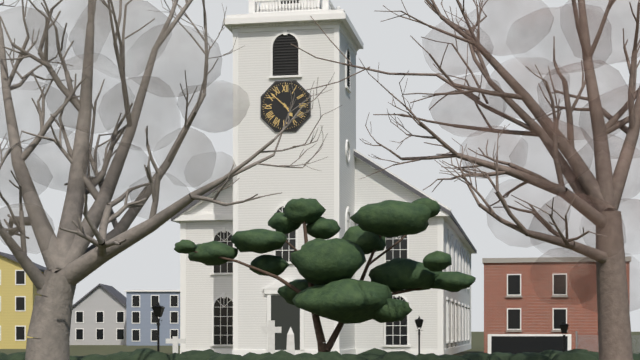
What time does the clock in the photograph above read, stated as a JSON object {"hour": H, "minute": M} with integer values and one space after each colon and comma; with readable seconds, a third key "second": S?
{"hour": 4, "minute": 52}
